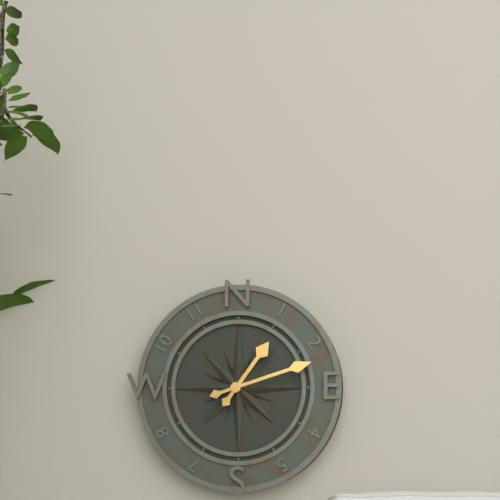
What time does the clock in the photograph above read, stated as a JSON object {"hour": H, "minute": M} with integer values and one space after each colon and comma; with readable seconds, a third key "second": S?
{"hour": 1, "minute": 12}
